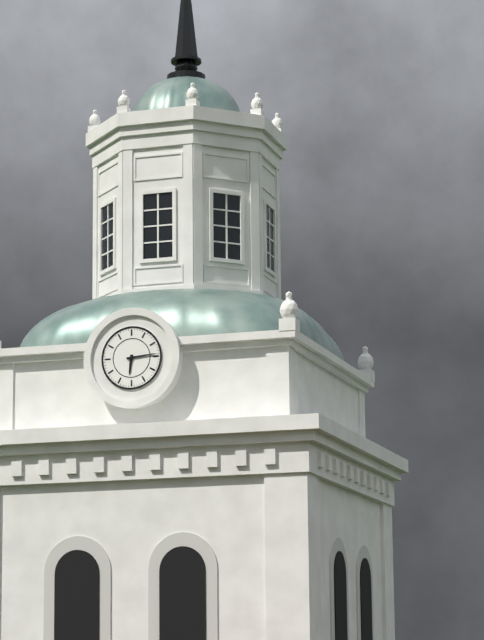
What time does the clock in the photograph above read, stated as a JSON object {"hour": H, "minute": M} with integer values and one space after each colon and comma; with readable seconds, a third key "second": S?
{"hour": 6, "minute": 14}
